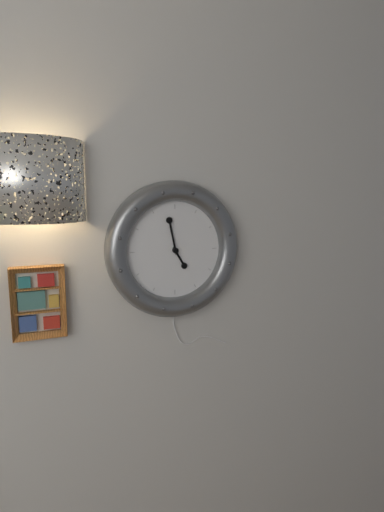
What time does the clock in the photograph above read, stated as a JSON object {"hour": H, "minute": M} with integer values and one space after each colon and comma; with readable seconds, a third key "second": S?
{"hour": 4, "minute": 58}
